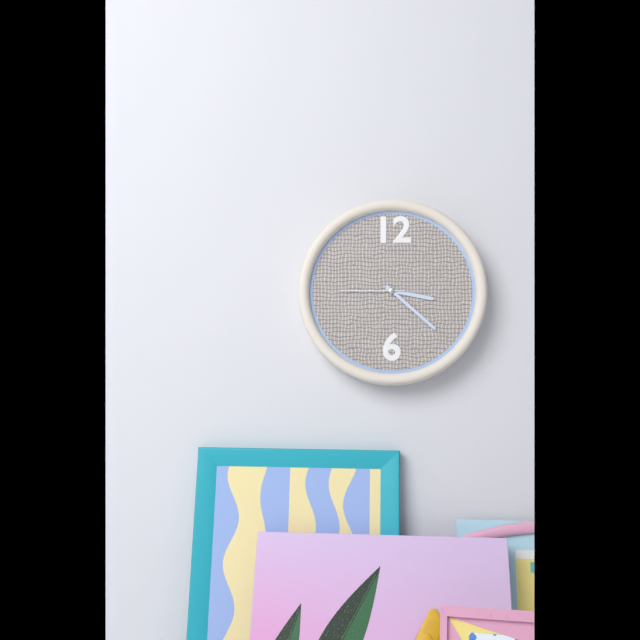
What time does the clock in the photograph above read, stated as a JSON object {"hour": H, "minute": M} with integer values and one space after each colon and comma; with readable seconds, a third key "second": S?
{"hour": 3, "minute": 22, "second": 45}
